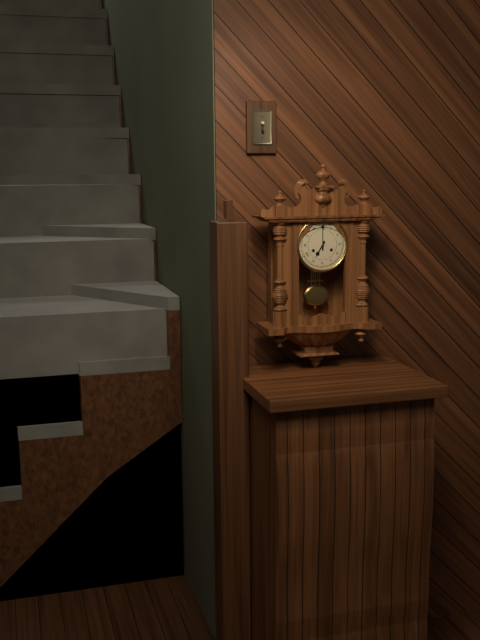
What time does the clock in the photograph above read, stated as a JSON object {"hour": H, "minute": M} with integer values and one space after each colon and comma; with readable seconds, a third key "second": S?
{"hour": 7, "minute": 0}
